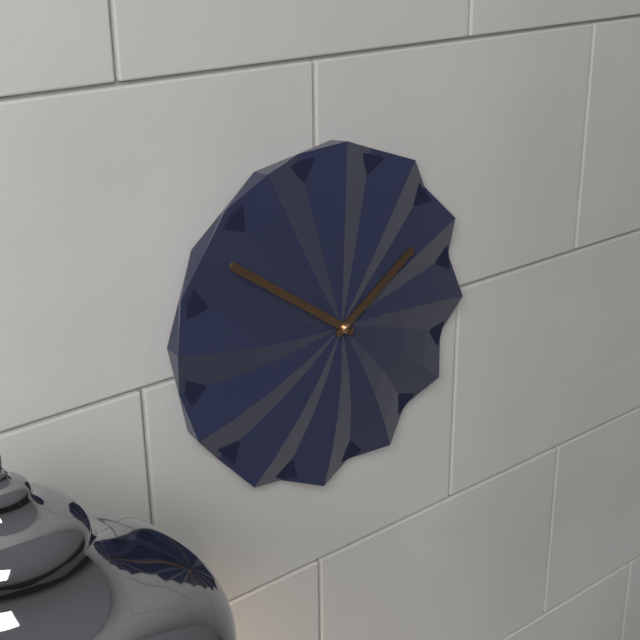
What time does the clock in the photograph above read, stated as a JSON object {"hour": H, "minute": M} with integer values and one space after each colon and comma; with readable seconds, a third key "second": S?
{"hour": 1, "minute": 51}
